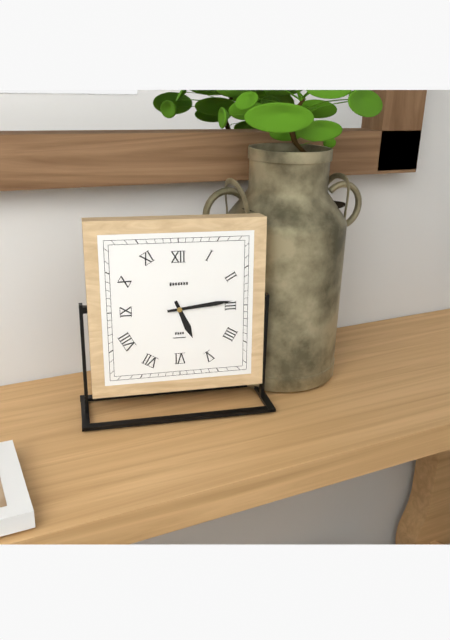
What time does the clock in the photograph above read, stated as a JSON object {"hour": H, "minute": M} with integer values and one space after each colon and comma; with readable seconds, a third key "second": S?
{"hour": 5, "minute": 14}
